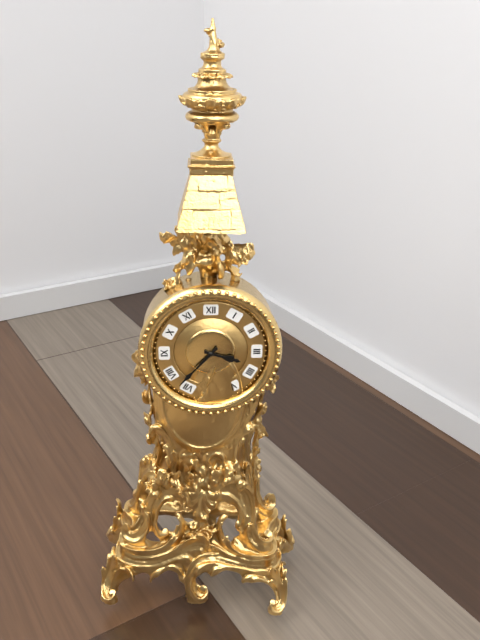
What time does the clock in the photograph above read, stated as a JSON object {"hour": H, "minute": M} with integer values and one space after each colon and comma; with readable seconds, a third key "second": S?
{"hour": 3, "minute": 37}
